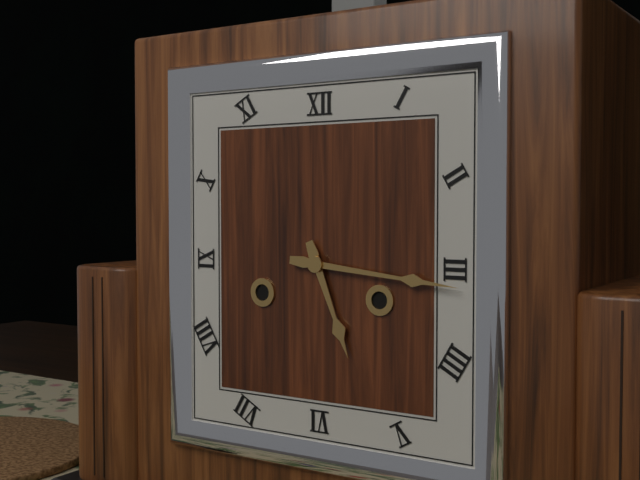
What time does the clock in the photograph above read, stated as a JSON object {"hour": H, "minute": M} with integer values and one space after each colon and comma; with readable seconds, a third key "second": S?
{"hour": 5, "minute": 16}
